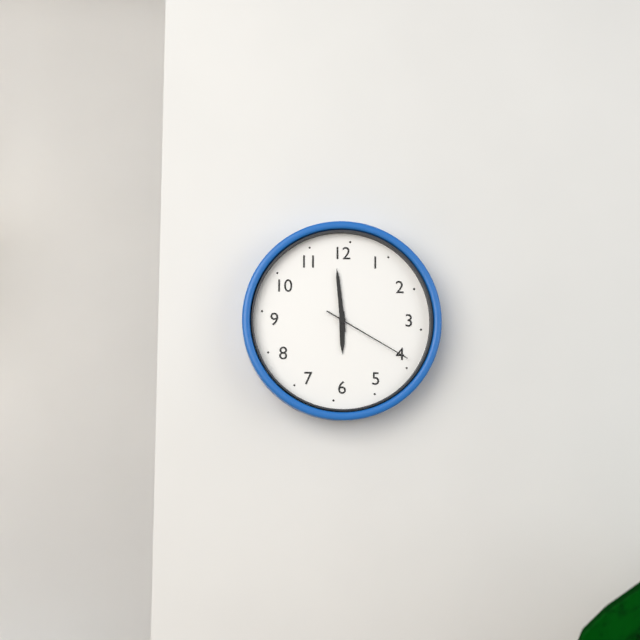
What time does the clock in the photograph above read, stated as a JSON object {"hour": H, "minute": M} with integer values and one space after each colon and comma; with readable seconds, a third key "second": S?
{"hour": 5, "minute": 59, "second": 20}
